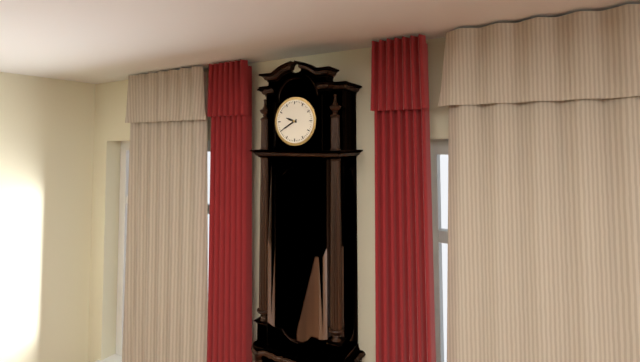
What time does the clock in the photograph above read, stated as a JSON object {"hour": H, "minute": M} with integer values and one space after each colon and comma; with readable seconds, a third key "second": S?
{"hour": 9, "minute": 40}
